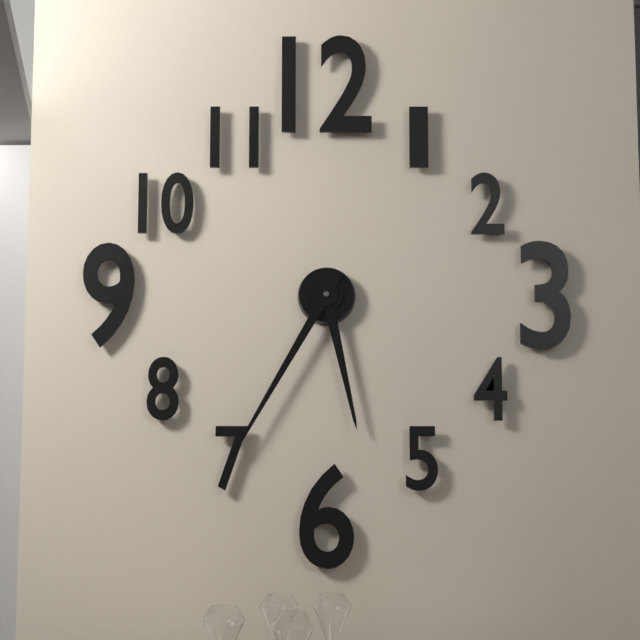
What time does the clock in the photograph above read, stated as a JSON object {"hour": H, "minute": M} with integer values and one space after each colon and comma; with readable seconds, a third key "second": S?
{"hour": 5, "minute": 35}
